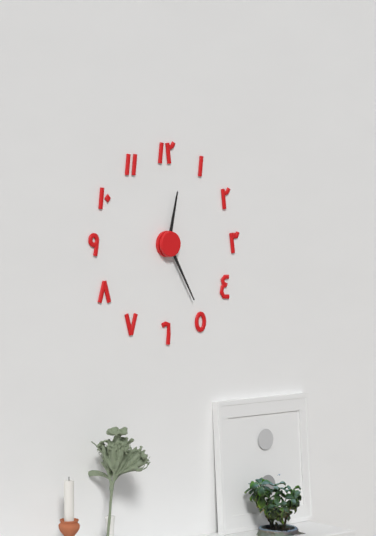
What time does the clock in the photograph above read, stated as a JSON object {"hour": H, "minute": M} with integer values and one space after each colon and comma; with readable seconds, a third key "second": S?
{"hour": 12, "minute": 25}
